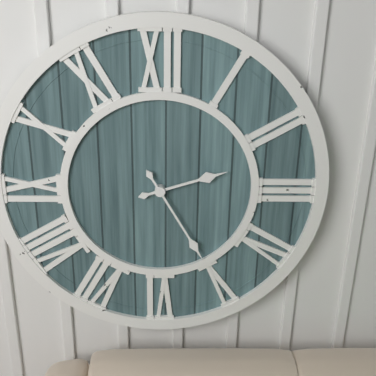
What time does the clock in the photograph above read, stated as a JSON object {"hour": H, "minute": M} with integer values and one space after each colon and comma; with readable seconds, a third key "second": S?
{"hour": 2, "minute": 25}
